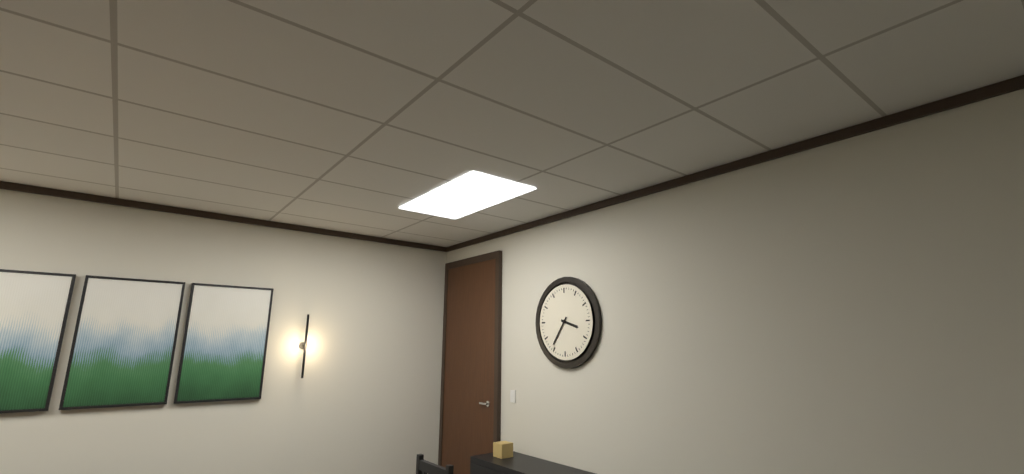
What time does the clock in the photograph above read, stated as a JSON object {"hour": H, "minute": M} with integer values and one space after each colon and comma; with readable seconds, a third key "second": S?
{"hour": 3, "minute": 36}
